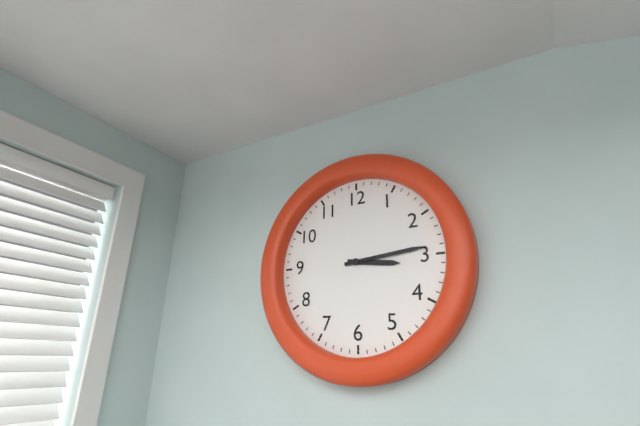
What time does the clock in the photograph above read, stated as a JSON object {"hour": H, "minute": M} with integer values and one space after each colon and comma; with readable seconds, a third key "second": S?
{"hour": 3, "minute": 14}
